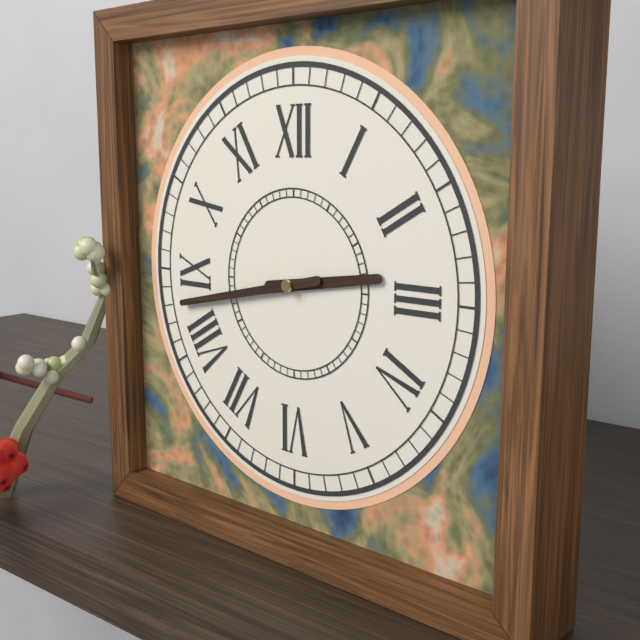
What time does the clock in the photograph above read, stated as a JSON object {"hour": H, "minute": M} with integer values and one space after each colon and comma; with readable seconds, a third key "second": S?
{"hour": 2, "minute": 43}
